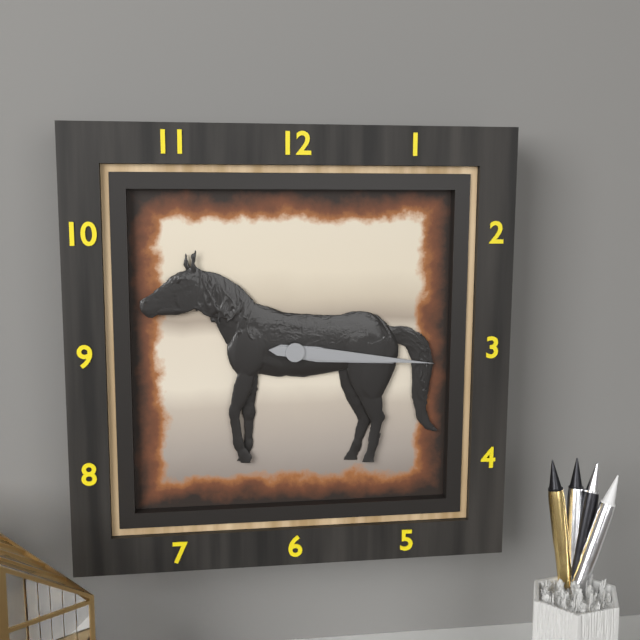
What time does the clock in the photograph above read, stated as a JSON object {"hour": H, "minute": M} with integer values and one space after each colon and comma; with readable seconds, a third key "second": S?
{"hour": 3, "minute": 16}
